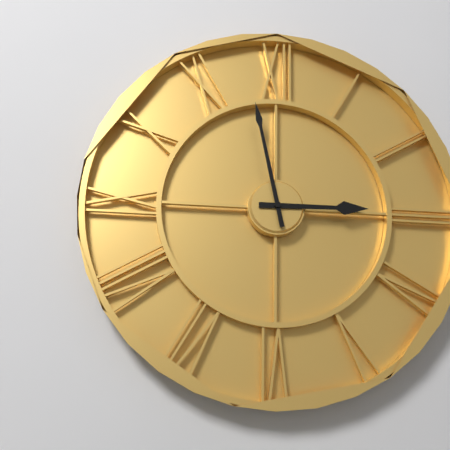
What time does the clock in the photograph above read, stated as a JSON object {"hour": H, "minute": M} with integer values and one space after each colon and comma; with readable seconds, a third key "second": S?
{"hour": 2, "minute": 58}
